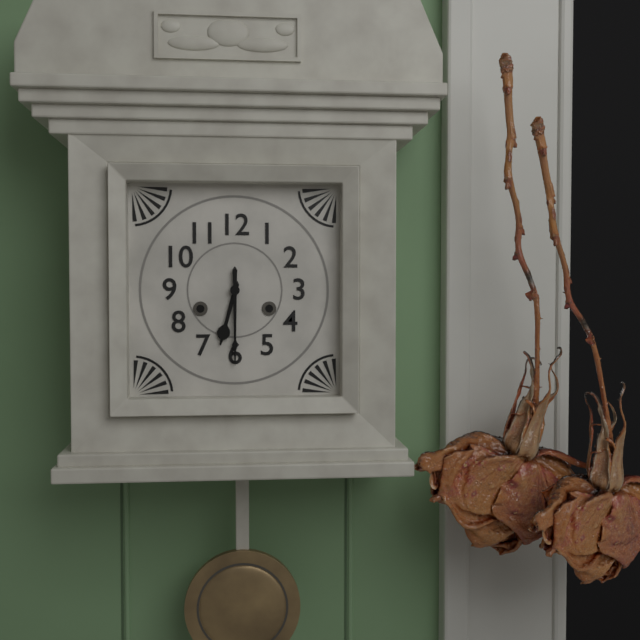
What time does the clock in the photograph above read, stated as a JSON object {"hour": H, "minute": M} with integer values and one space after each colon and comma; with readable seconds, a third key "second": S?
{"hour": 6, "minute": 30}
